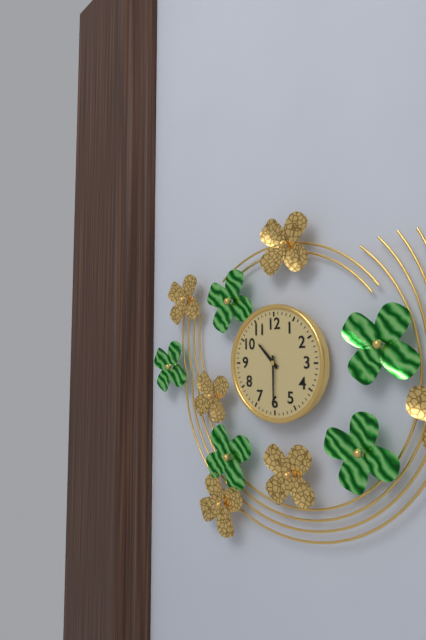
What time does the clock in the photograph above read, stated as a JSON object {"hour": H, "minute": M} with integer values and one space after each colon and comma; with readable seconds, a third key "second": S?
{"hour": 10, "minute": 30}
